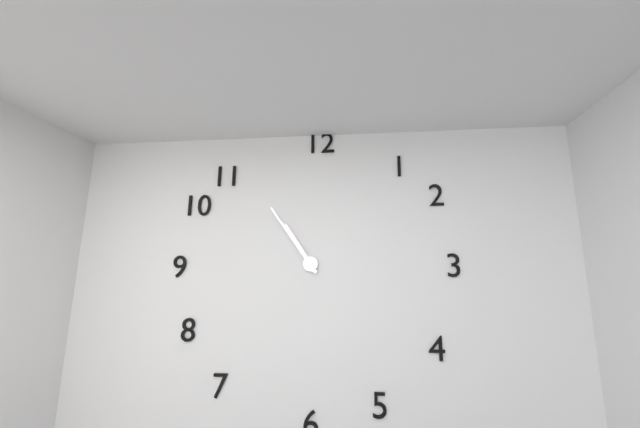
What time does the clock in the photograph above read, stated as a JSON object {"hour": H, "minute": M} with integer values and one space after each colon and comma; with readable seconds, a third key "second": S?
{"hour": 10, "minute": 54}
